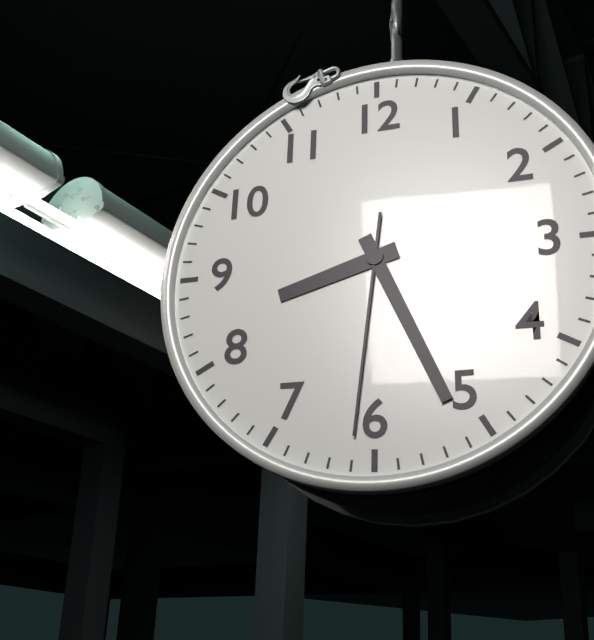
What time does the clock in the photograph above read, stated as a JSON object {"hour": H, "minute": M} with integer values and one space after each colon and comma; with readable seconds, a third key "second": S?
{"hour": 8, "minute": 26, "second": 31}
